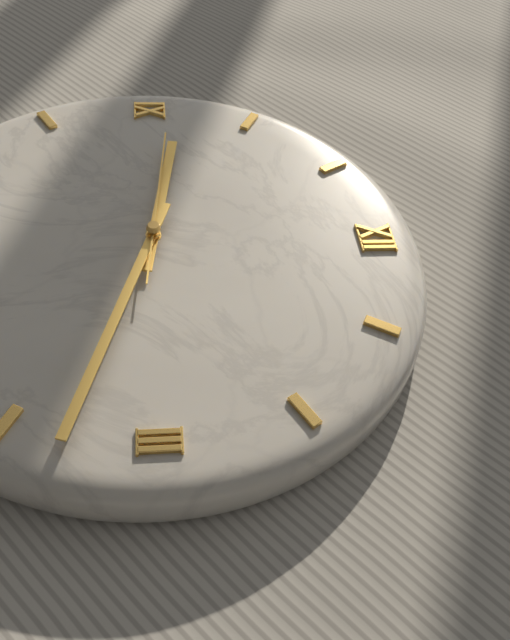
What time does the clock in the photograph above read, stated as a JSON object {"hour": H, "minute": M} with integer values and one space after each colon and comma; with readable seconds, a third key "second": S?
{"hour": 9, "minute": 18, "second": 46}
